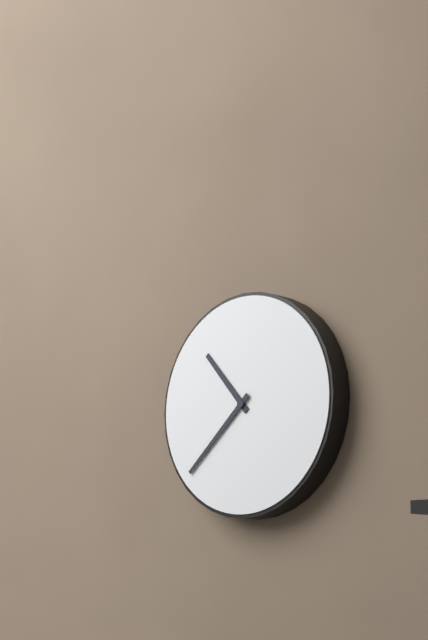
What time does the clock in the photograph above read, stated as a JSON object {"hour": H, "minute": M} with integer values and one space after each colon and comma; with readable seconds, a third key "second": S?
{"hour": 10, "minute": 38}
